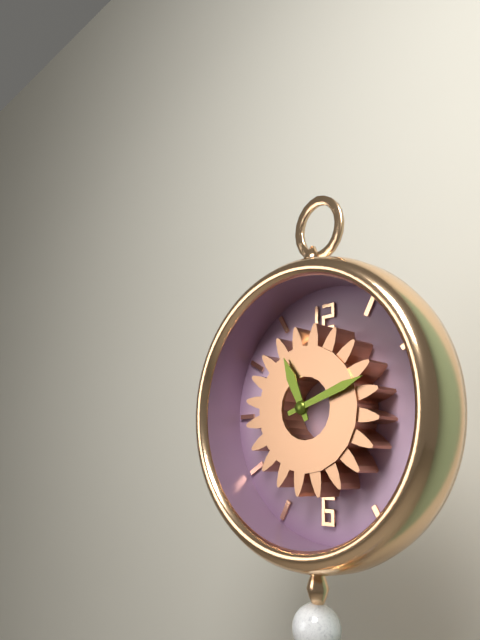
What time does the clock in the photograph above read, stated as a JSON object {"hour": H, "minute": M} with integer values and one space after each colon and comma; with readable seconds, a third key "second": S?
{"hour": 11, "minute": 12}
